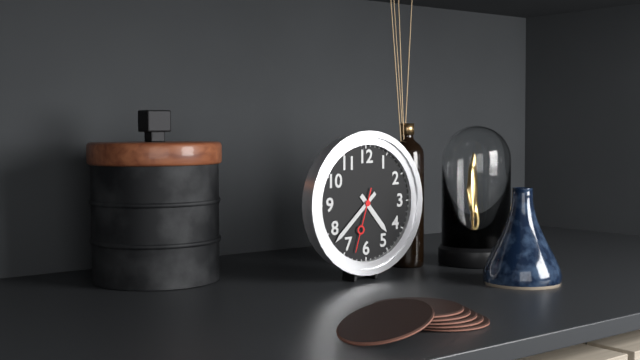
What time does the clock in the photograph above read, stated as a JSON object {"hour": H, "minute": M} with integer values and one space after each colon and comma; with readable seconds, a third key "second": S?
{"hour": 4, "minute": 38, "second": 33}
